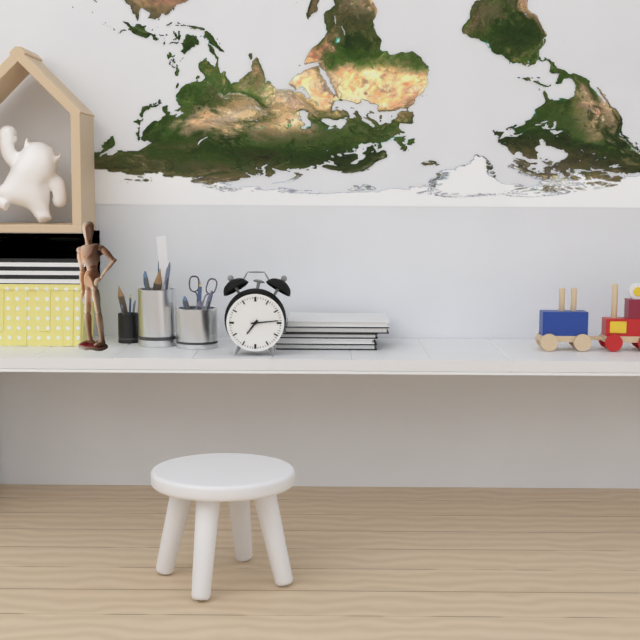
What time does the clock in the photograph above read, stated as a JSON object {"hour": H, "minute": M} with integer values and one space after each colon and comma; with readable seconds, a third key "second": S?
{"hour": 7, "minute": 14}
